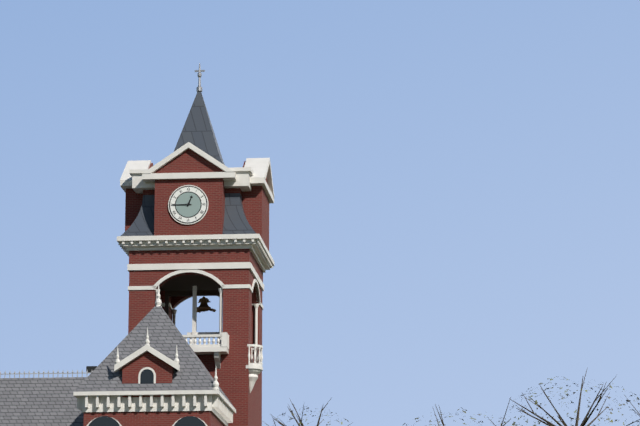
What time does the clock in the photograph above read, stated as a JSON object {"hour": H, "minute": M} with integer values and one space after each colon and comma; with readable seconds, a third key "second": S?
{"hour": 12, "minute": 45}
